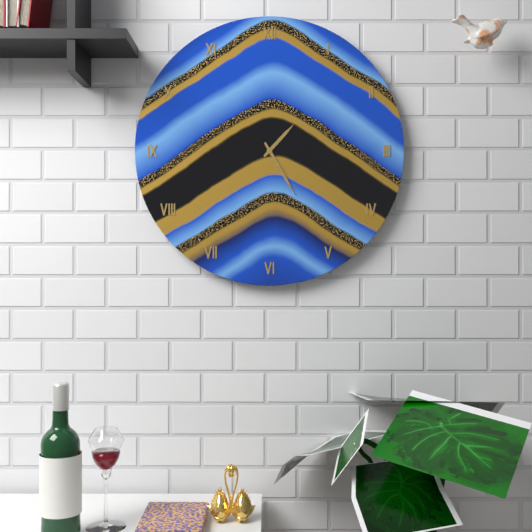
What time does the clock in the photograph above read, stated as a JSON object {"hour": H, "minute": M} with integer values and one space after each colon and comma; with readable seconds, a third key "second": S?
{"hour": 1, "minute": 25}
